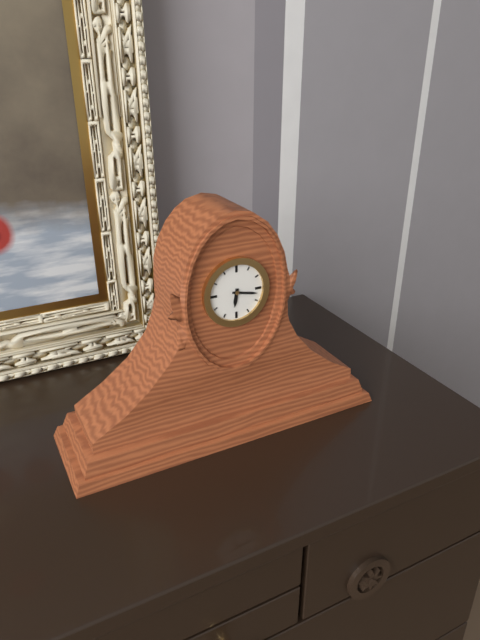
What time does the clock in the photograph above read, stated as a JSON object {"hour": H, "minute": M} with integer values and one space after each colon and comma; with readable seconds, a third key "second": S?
{"hour": 6, "minute": 17}
